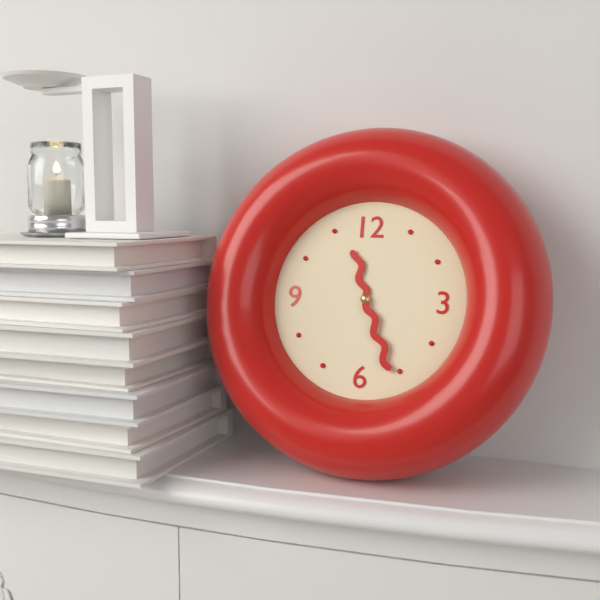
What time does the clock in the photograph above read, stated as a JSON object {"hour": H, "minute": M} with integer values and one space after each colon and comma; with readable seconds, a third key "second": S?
{"hour": 11, "minute": 26}
